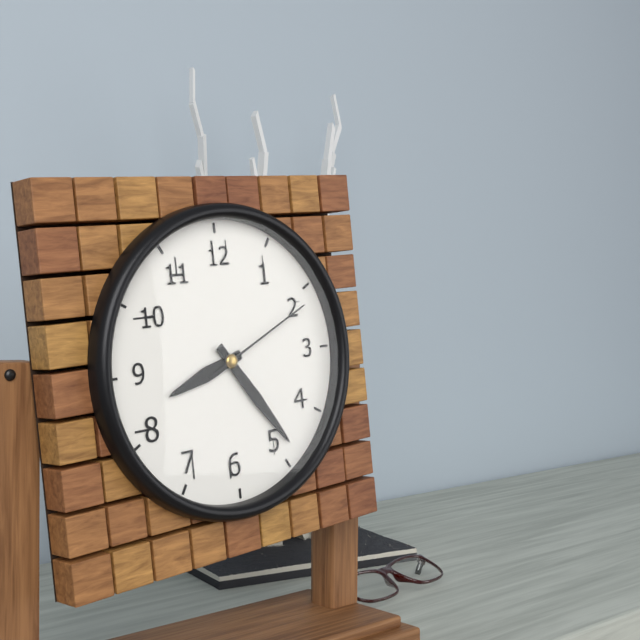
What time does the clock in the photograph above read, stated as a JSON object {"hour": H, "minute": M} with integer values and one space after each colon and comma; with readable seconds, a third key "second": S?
{"hour": 8, "minute": 24, "second": 11}
